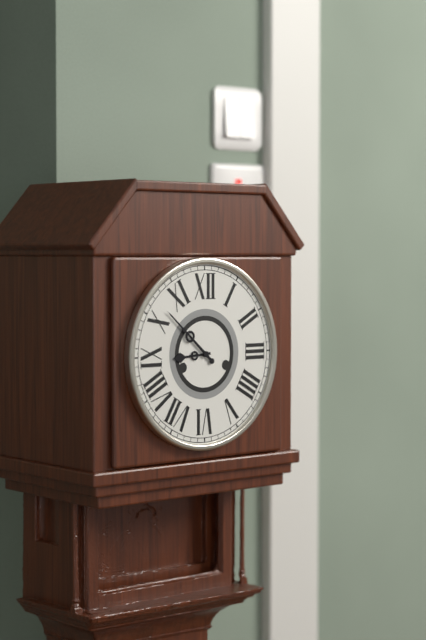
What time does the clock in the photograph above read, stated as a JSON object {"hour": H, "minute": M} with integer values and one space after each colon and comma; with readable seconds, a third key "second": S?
{"hour": 8, "minute": 52}
